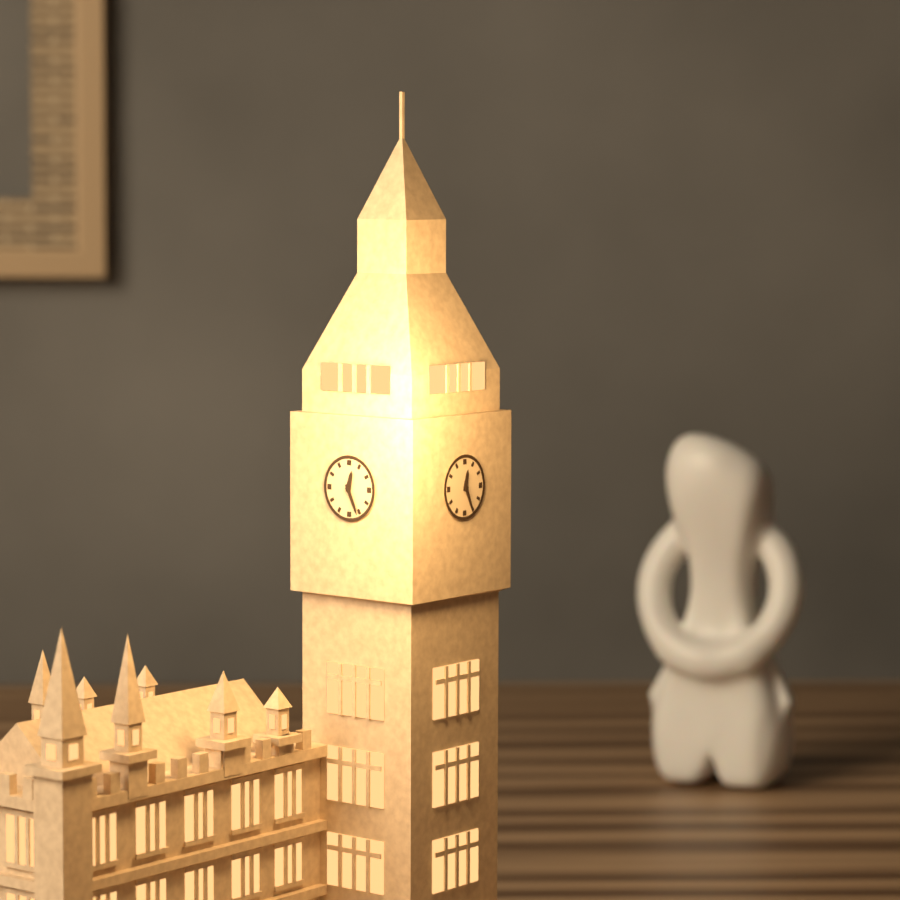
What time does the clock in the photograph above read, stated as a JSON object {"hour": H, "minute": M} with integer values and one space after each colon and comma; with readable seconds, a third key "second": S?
{"hour": 12, "minute": 26}
